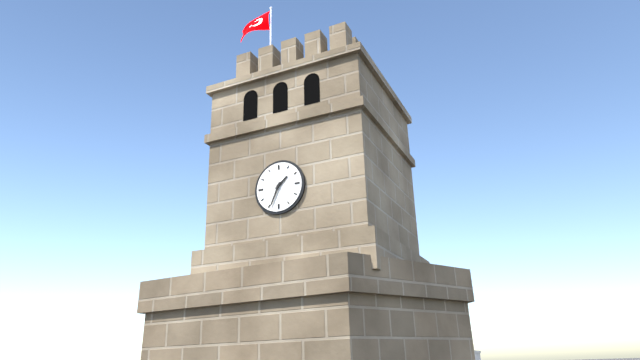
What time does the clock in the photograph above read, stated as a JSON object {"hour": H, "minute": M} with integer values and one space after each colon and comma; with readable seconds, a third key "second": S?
{"hour": 1, "minute": 34}
